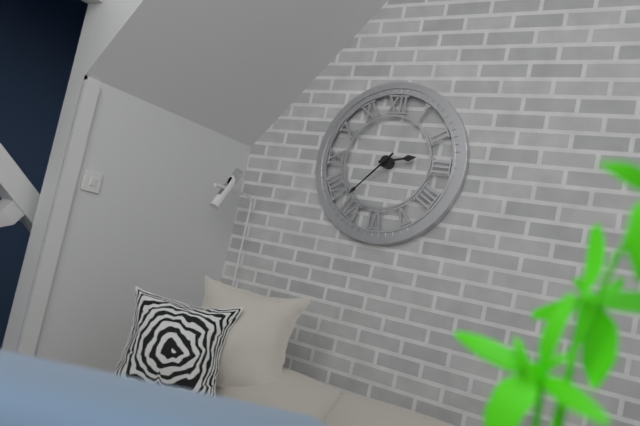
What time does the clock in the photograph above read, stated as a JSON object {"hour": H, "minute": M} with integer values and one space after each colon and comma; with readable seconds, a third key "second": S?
{"hour": 2, "minute": 37}
